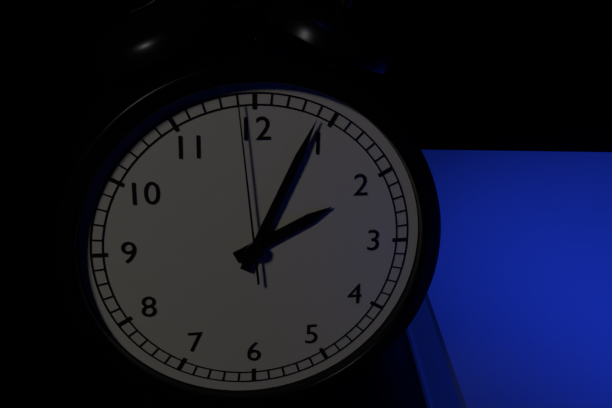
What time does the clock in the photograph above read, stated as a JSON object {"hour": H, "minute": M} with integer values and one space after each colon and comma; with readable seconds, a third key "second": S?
{"hour": 2, "minute": 4, "second": 59}
